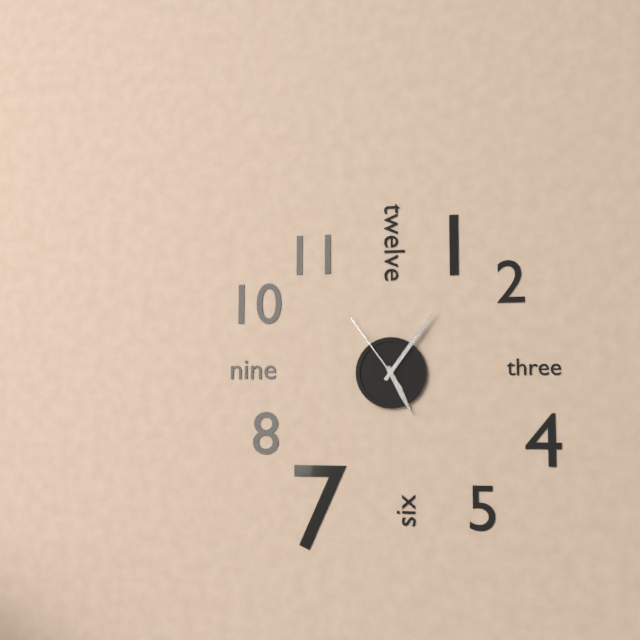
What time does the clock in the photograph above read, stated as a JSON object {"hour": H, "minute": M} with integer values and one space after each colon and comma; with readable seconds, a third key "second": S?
{"hour": 5, "minute": 6, "second": 54}
